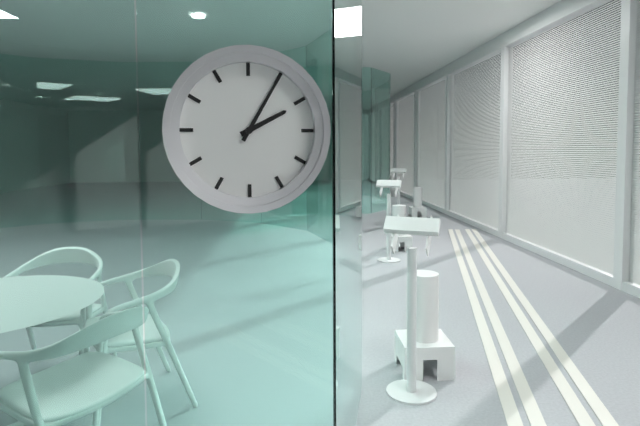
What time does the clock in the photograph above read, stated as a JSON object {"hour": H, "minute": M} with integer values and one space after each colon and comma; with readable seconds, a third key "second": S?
{"hour": 2, "minute": 5}
